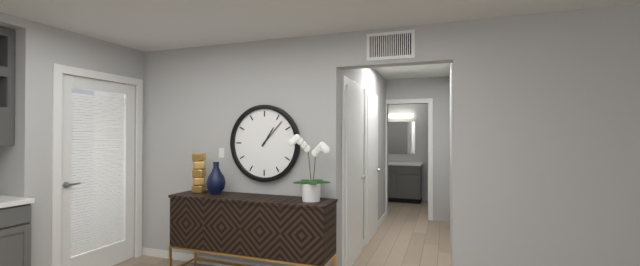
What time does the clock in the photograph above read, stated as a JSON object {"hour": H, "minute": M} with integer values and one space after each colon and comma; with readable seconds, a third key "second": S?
{"hour": 1, "minute": 7}
